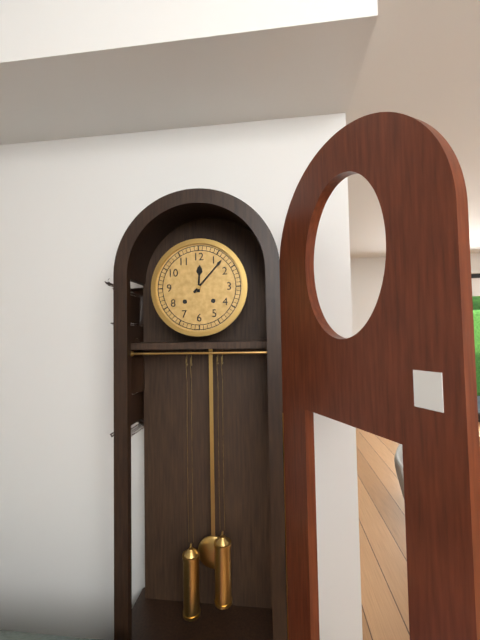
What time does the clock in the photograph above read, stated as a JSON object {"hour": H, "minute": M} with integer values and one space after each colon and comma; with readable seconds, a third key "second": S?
{"hour": 12, "minute": 7}
